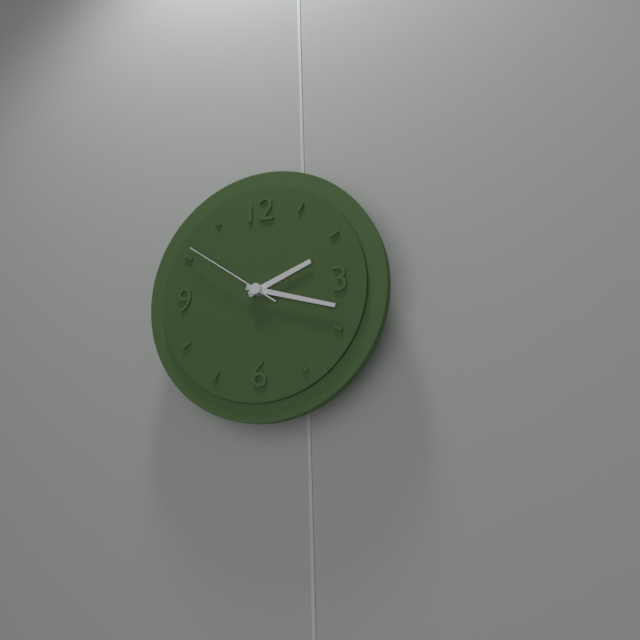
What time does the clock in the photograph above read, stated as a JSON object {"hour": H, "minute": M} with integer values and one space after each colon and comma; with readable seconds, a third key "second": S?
{"hour": 2, "minute": 18, "second": 51}
